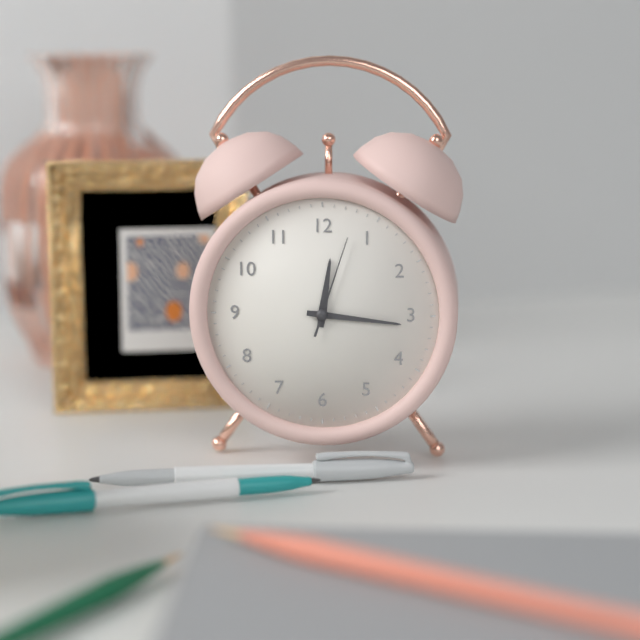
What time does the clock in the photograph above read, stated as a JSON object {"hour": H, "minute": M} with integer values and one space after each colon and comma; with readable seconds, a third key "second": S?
{"hour": 12, "minute": 16, "second": 3}
